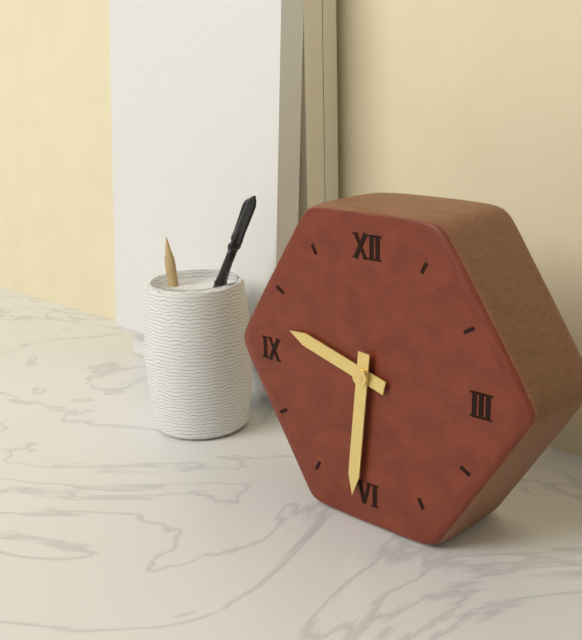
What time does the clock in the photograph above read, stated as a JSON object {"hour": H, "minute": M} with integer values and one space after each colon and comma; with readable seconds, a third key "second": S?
{"hour": 9, "minute": 31}
